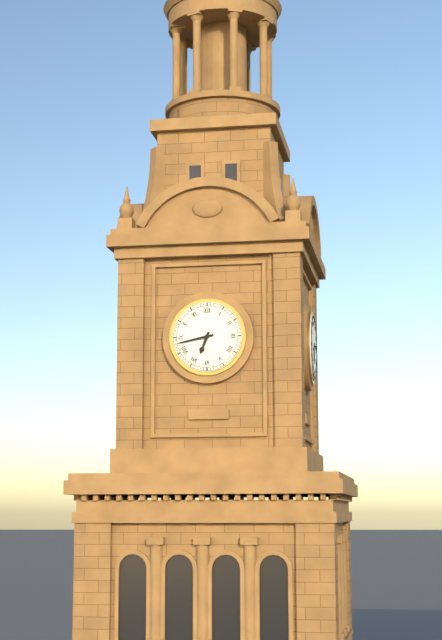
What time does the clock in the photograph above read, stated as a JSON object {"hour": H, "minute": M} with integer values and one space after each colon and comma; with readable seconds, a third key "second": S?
{"hour": 6, "minute": 43}
